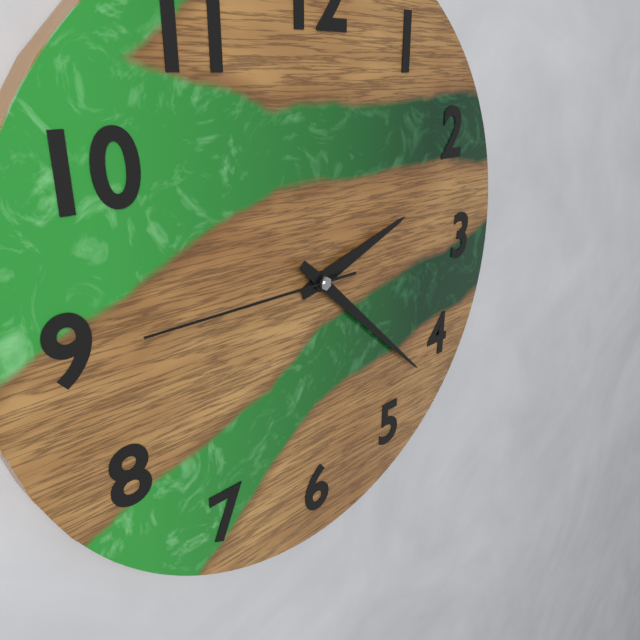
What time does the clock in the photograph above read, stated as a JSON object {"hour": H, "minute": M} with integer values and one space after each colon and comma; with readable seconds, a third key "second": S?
{"hour": 2, "minute": 22, "second": 45}
